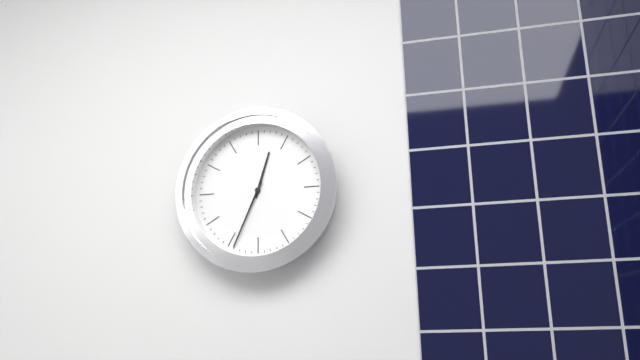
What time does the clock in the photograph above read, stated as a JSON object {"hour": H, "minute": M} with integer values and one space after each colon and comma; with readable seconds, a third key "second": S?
{"hour": 12, "minute": 34}
